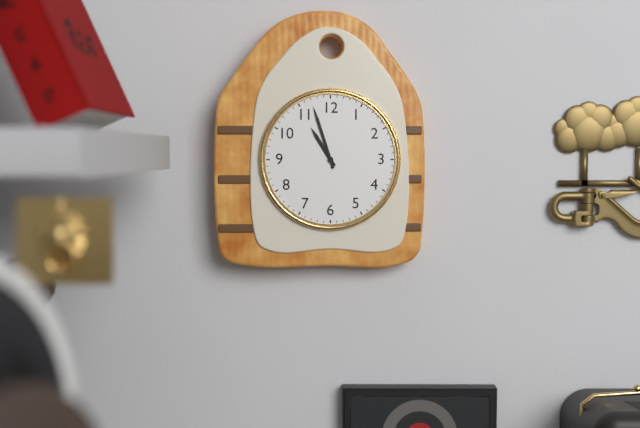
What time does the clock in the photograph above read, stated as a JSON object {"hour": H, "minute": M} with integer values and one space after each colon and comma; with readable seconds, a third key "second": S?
{"hour": 10, "minute": 57}
